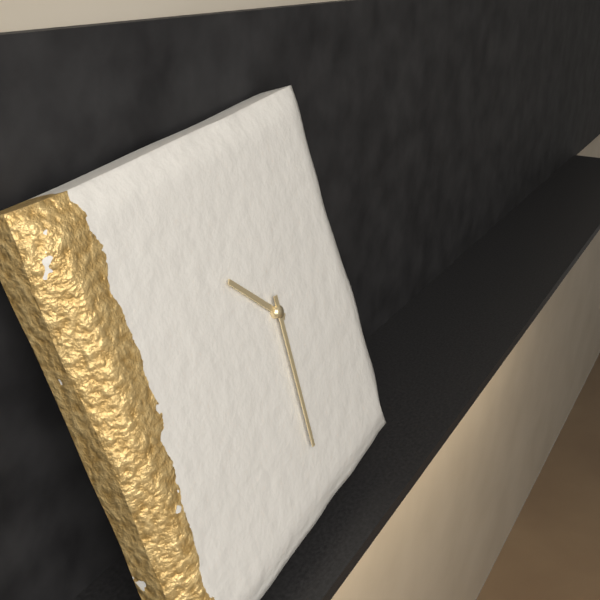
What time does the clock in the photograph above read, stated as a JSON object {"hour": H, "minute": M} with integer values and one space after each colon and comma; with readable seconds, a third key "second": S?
{"hour": 10, "minute": 31}
